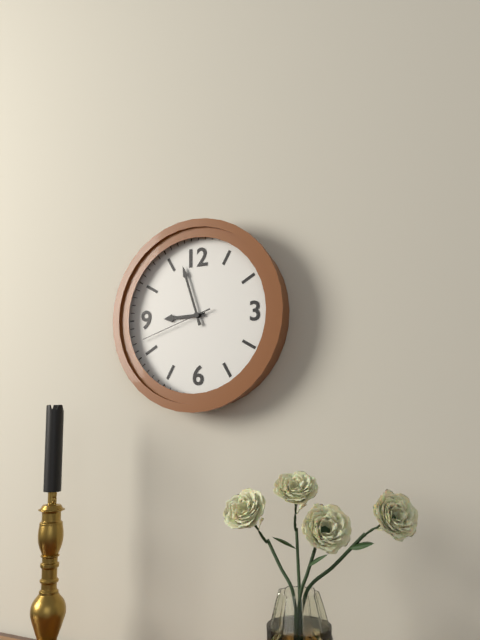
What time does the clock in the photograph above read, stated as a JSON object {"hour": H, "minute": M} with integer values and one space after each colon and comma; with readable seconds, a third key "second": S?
{"hour": 8, "minute": 57, "second": 42}
